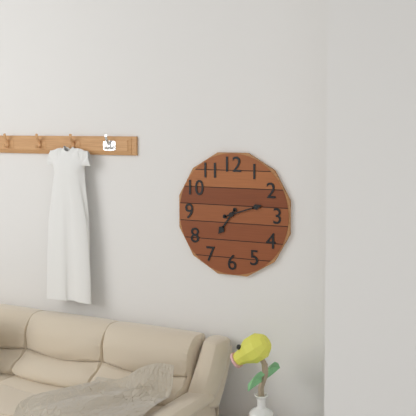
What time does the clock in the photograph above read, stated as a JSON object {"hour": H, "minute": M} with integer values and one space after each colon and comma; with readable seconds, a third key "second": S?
{"hour": 7, "minute": 12}
